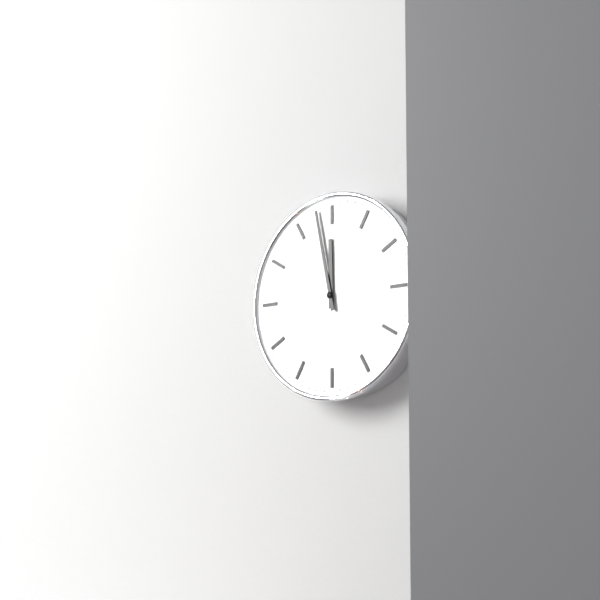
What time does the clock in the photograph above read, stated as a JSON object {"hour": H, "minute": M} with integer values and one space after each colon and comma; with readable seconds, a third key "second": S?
{"hour": 11, "minute": 58}
